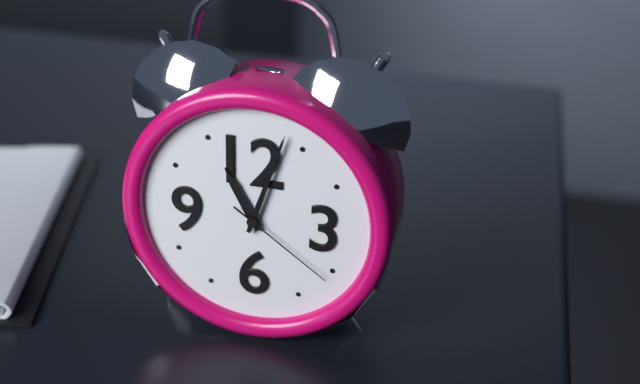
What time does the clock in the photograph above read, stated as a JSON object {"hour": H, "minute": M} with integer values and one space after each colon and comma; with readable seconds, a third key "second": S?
{"hour": 11, "minute": 3, "second": 21}
